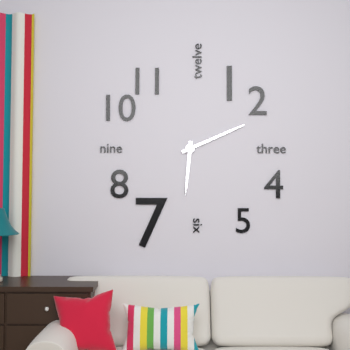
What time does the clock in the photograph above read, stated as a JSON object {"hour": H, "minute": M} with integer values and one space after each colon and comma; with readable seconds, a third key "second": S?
{"hour": 6, "minute": 11}
